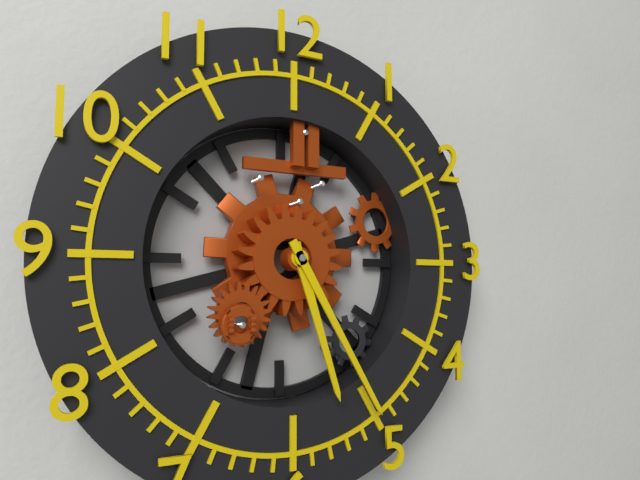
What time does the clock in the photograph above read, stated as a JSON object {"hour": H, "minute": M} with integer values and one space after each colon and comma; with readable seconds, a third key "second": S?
{"hour": 5, "minute": 25}
